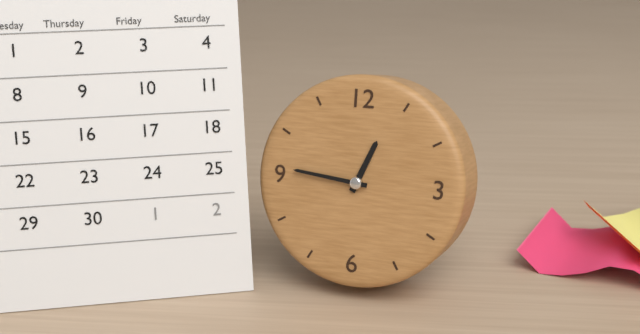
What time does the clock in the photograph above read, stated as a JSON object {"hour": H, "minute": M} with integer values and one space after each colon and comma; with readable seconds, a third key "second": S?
{"hour": 12, "minute": 46}
